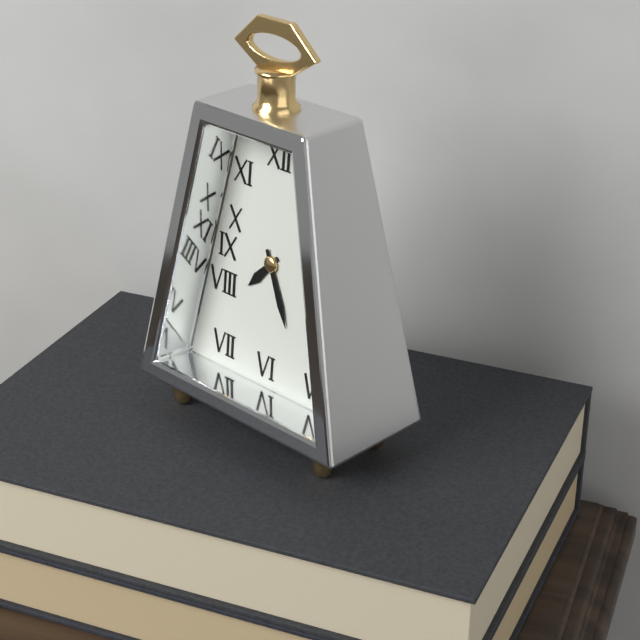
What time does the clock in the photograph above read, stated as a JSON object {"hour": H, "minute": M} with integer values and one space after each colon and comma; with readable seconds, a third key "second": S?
{"hour": 7, "minute": 26}
